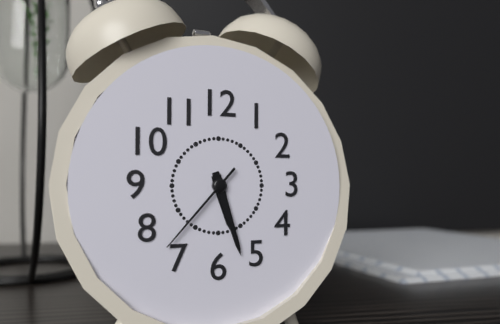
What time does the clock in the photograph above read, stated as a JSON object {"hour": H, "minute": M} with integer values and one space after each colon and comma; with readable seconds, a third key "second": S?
{"hour": 5, "minute": 27, "second": 37}
